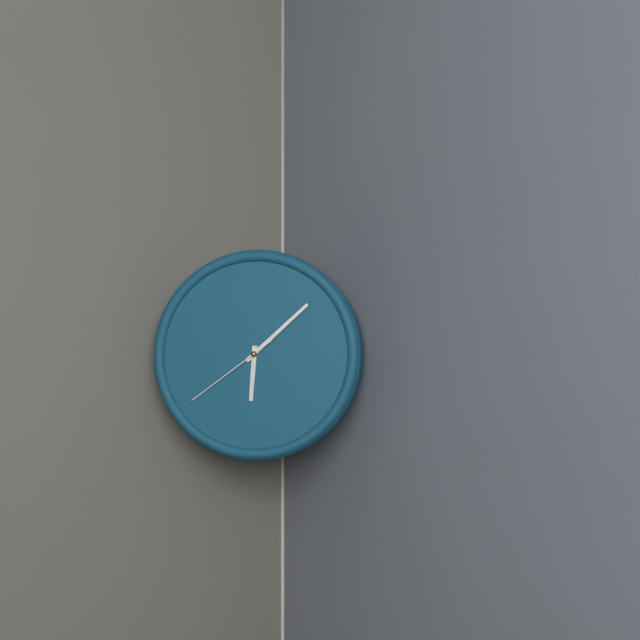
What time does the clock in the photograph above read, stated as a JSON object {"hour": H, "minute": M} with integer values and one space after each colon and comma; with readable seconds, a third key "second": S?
{"hour": 6, "minute": 8, "second": 39}
